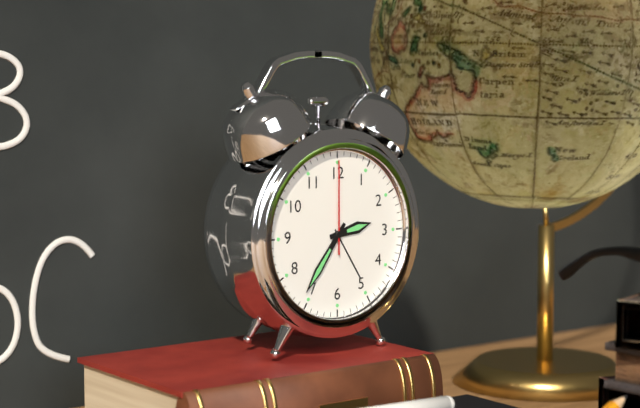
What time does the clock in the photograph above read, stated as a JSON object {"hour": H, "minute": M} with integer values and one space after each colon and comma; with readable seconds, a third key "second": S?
{"hour": 2, "minute": 36, "second": 0}
